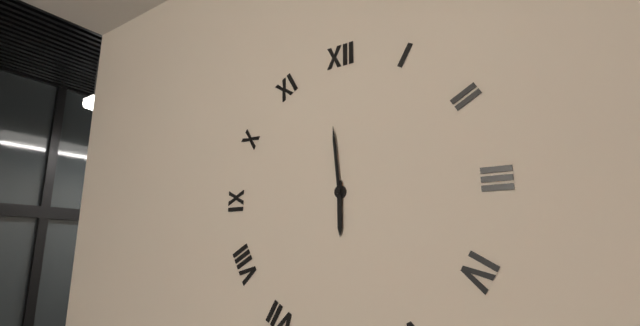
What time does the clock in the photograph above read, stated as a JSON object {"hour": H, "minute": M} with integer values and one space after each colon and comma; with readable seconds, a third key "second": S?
{"hour": 5, "minute": 59}
